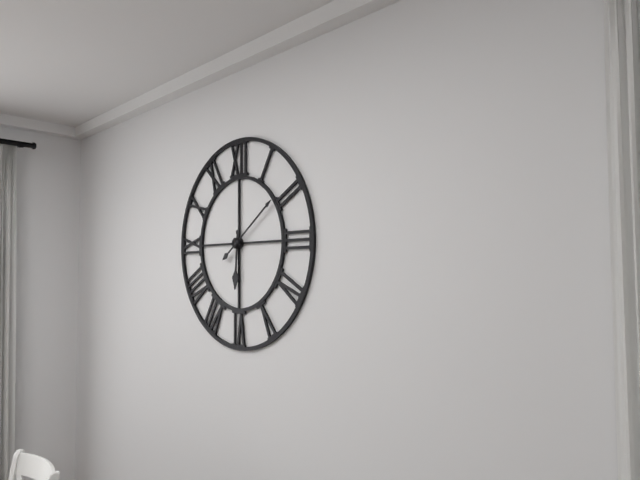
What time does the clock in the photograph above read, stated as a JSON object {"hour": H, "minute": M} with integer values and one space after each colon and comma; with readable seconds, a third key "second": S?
{"hour": 6, "minute": 9}
